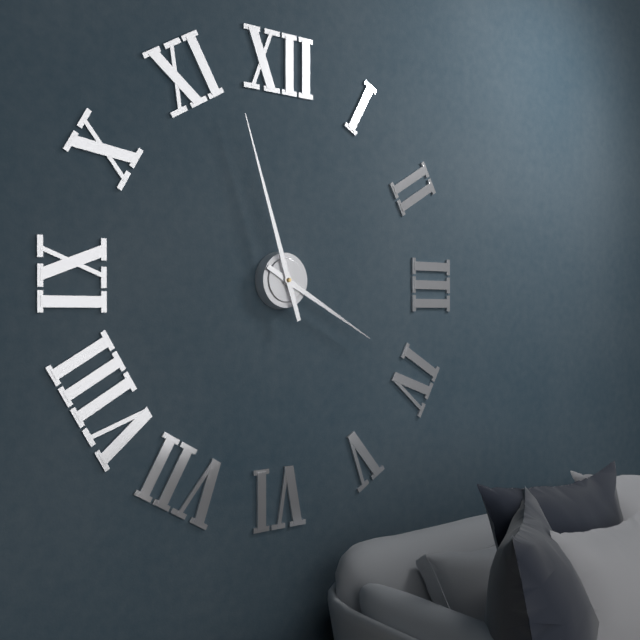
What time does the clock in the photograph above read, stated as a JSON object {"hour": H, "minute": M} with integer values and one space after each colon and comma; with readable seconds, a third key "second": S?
{"hour": 3, "minute": 57}
